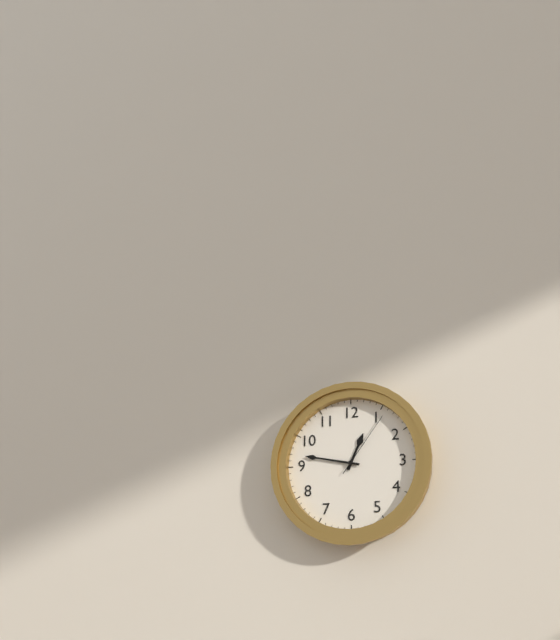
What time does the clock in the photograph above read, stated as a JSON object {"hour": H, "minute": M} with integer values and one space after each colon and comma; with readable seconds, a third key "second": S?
{"hour": 12, "minute": 47, "second": 6}
